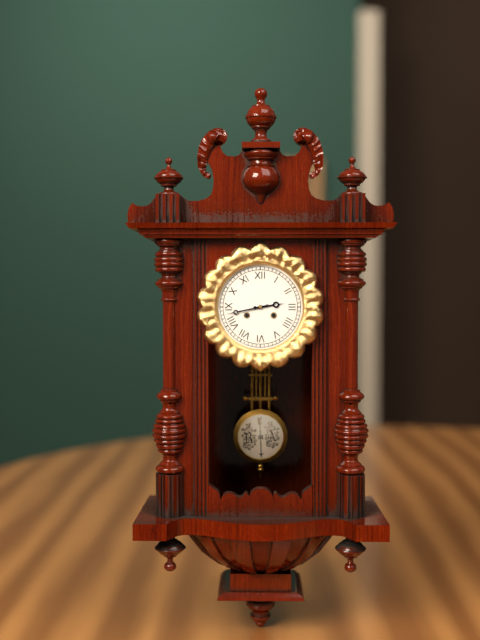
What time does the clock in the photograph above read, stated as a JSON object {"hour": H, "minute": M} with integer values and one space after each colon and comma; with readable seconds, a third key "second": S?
{"hour": 2, "minute": 43}
